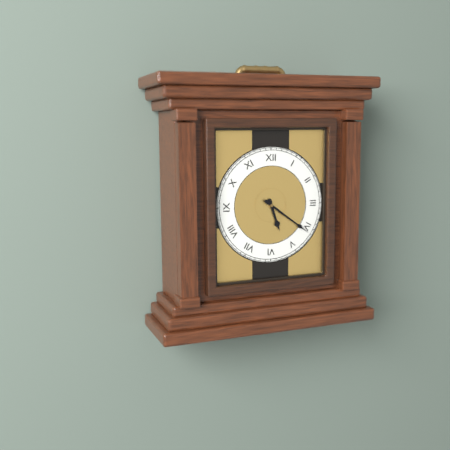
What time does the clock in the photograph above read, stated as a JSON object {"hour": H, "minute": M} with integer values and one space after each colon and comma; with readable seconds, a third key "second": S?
{"hour": 5, "minute": 21}
